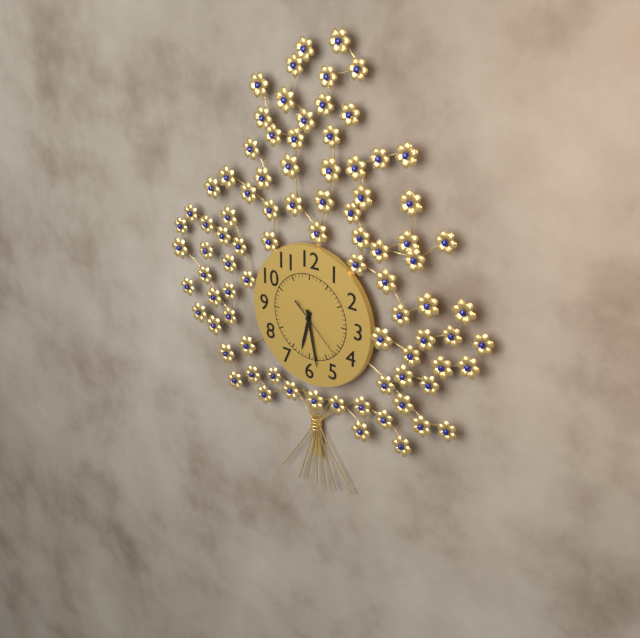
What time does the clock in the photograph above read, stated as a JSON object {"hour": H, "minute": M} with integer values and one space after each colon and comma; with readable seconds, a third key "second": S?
{"hour": 6, "minute": 28, "second": 22}
